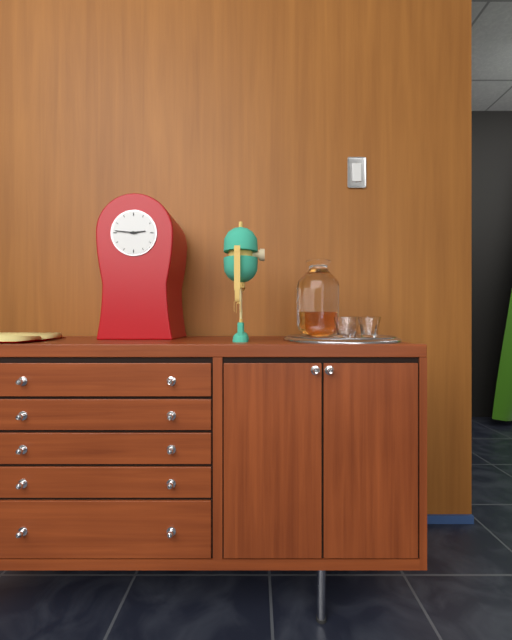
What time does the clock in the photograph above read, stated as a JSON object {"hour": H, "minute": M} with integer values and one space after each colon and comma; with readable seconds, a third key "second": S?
{"hour": 2, "minute": 46}
